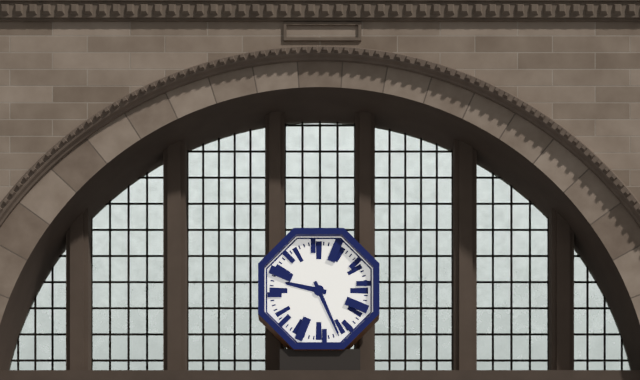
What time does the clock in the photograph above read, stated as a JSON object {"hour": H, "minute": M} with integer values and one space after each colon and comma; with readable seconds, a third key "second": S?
{"hour": 9, "minute": 26}
